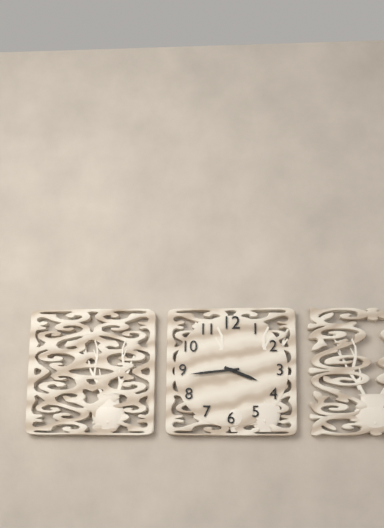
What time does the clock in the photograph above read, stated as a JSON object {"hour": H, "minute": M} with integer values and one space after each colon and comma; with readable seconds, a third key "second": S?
{"hour": 3, "minute": 44}
